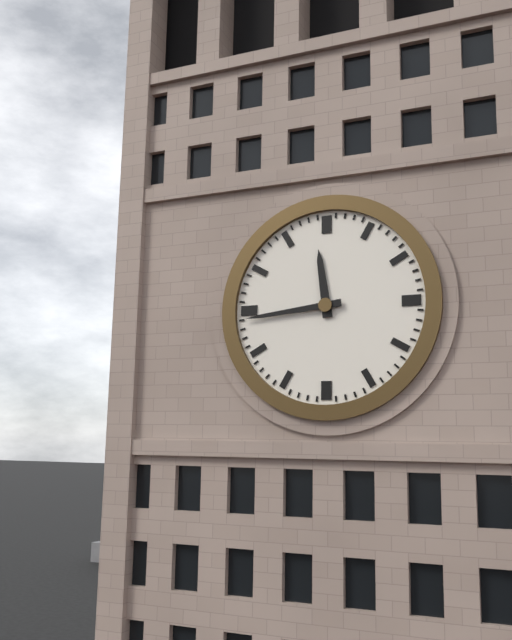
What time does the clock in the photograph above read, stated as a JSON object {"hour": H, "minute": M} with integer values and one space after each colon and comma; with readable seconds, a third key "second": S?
{"hour": 11, "minute": 44}
